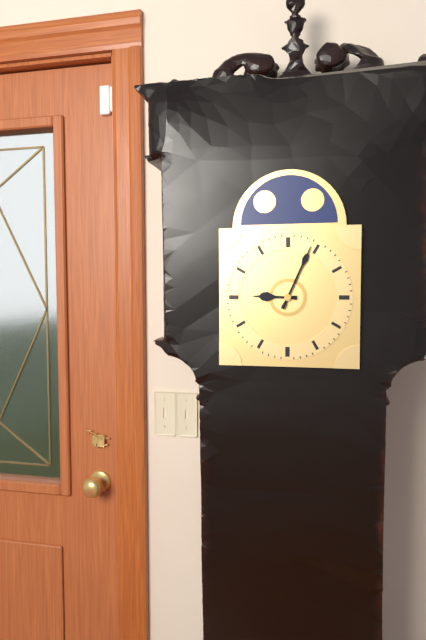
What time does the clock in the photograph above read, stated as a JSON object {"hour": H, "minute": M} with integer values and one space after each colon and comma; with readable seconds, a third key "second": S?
{"hour": 9, "minute": 4}
